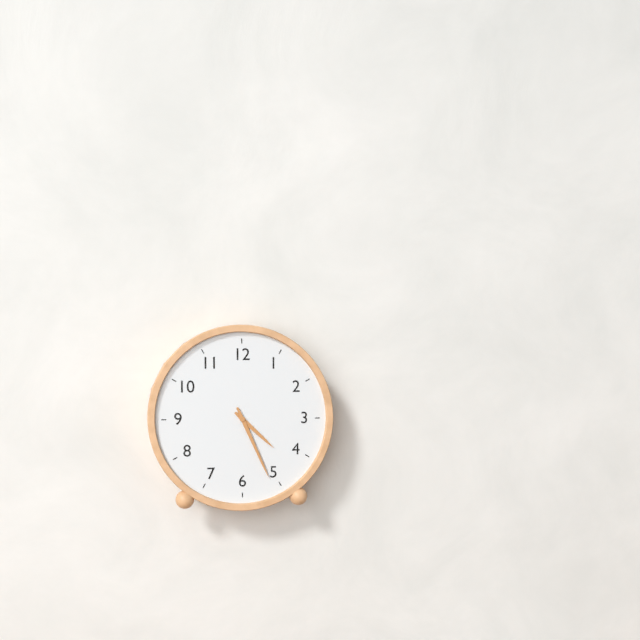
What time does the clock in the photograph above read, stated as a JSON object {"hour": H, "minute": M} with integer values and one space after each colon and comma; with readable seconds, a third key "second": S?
{"hour": 4, "minute": 26}
